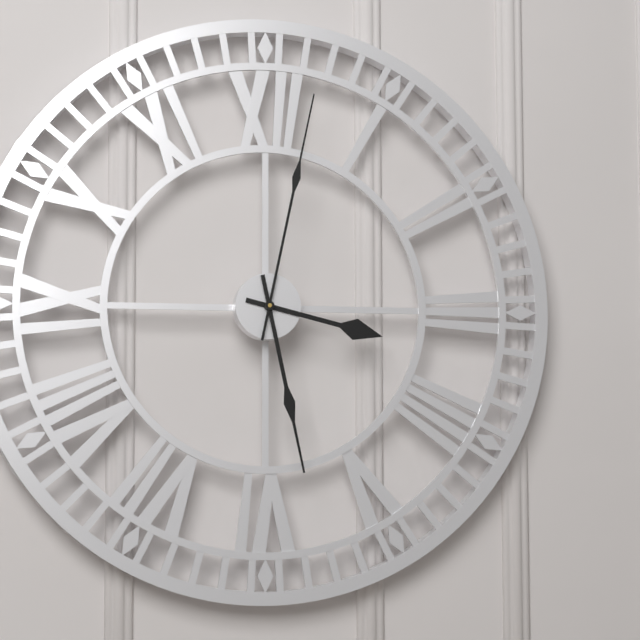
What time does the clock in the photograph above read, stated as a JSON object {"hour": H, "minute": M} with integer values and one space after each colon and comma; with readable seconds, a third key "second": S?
{"hour": 3, "minute": 28, "second": 2}
